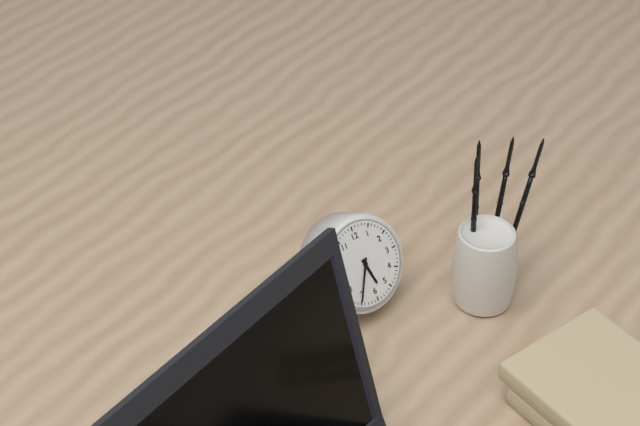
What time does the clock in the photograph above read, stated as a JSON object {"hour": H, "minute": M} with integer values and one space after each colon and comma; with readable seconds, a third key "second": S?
{"hour": 5, "minute": 35}
